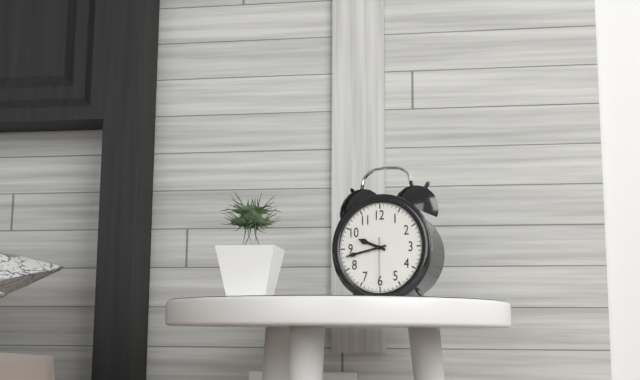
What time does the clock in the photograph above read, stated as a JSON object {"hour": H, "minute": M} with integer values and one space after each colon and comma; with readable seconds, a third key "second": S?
{"hour": 9, "minute": 43, "second": 30}
